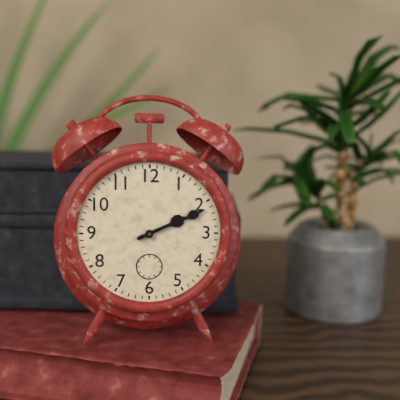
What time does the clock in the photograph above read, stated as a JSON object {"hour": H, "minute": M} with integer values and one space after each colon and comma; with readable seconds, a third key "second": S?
{"hour": 2, "minute": 11}
